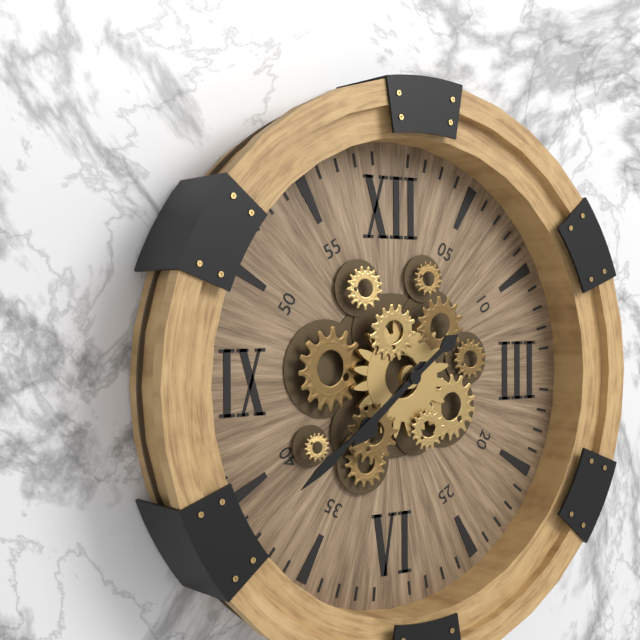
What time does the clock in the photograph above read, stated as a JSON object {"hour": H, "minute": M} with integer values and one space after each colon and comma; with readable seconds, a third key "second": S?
{"hour": 7, "minute": 39}
